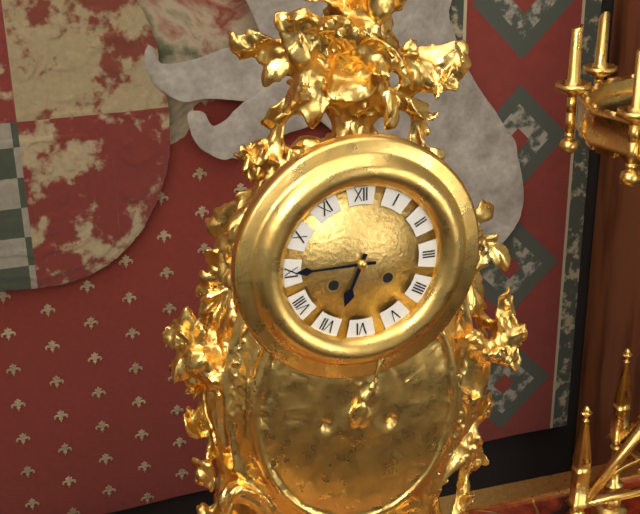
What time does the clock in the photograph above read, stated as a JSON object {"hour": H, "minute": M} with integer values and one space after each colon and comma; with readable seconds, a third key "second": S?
{"hour": 6, "minute": 45}
